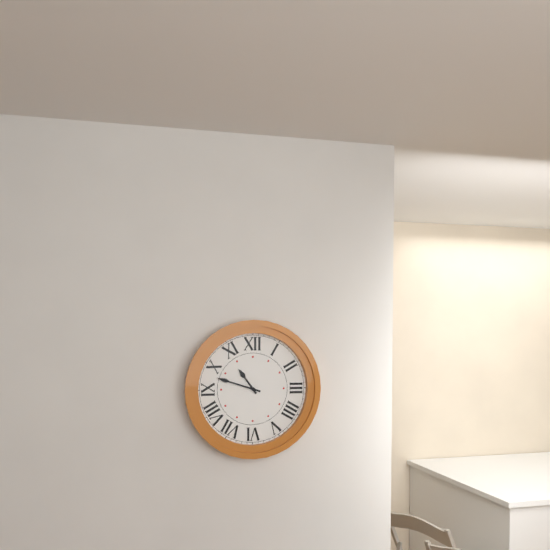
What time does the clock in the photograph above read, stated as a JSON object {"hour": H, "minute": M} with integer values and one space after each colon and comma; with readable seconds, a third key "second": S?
{"hour": 10, "minute": 48}
